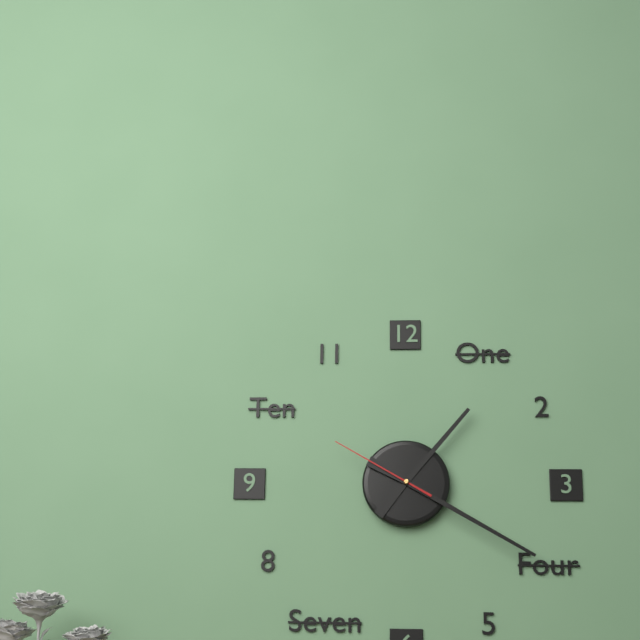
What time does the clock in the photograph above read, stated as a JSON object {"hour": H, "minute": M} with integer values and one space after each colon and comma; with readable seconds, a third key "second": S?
{"hour": 1, "minute": 20, "second": 50}
